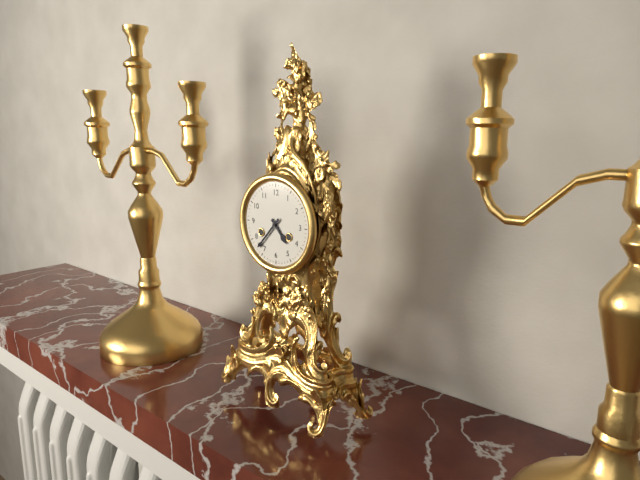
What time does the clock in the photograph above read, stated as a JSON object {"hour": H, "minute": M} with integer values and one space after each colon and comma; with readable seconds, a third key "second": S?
{"hour": 4, "minute": 37}
